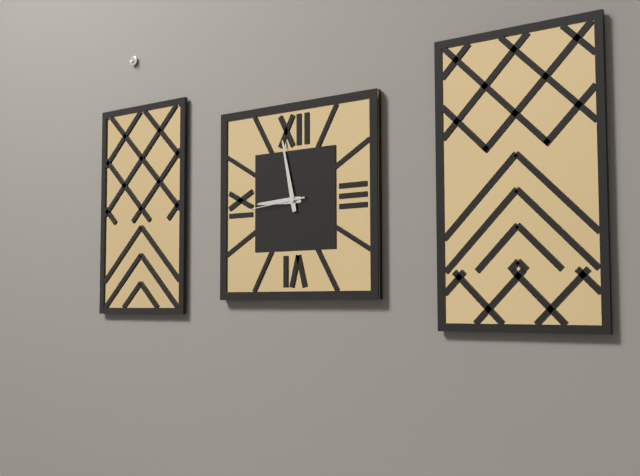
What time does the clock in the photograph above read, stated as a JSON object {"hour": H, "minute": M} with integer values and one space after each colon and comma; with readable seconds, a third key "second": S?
{"hour": 8, "minute": 58, "second": 44}
